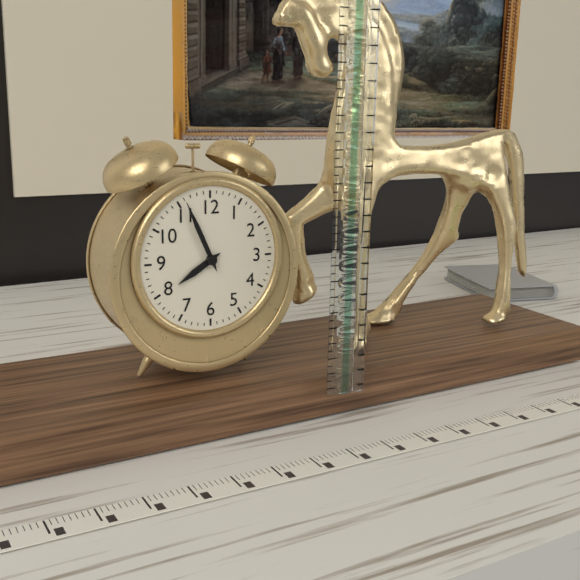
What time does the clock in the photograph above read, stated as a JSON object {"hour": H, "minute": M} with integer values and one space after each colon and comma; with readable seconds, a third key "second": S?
{"hour": 7, "minute": 56}
